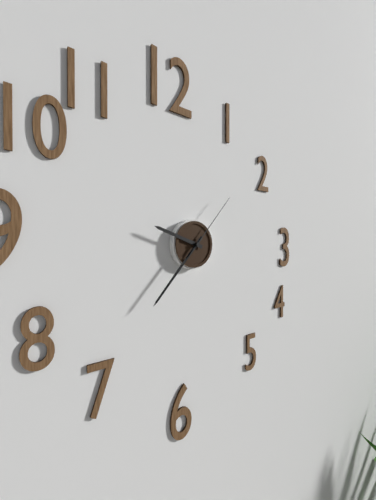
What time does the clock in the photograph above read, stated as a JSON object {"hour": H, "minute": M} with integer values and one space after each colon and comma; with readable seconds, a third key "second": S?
{"hour": 9, "minute": 37, "second": 7}
